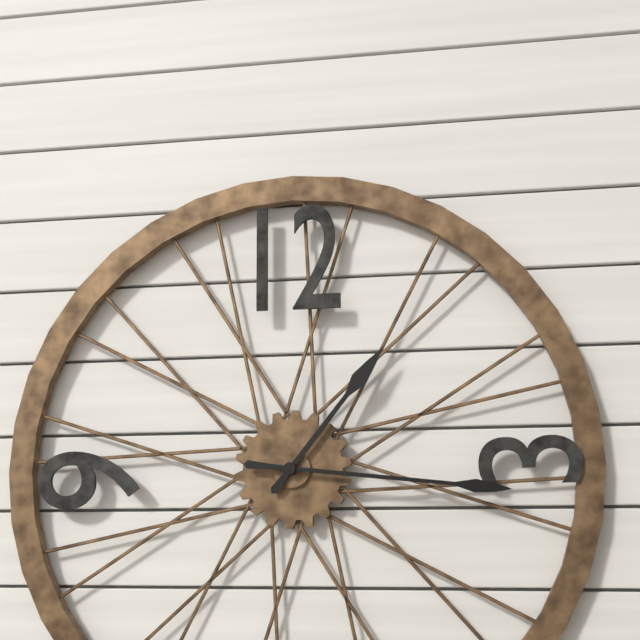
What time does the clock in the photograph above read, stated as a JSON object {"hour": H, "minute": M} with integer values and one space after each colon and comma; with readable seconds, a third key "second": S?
{"hour": 1, "minute": 16}
